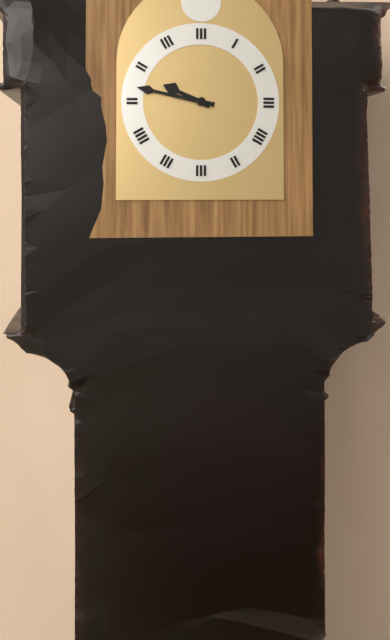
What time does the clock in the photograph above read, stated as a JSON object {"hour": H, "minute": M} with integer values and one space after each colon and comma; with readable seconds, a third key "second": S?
{"hour": 9, "minute": 47}
